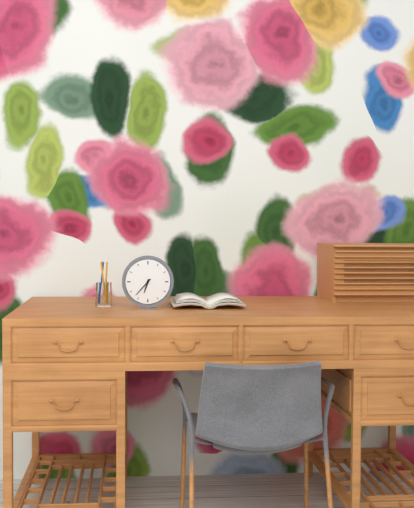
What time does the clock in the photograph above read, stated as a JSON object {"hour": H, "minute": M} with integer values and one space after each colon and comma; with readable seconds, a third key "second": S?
{"hour": 6, "minute": 37}
